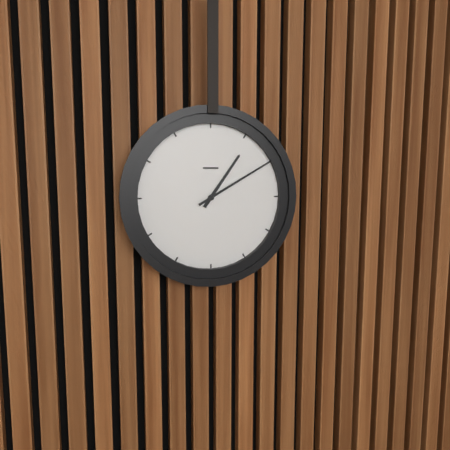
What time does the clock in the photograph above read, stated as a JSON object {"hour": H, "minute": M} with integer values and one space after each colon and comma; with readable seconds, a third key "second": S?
{"hour": 1, "minute": 10}
